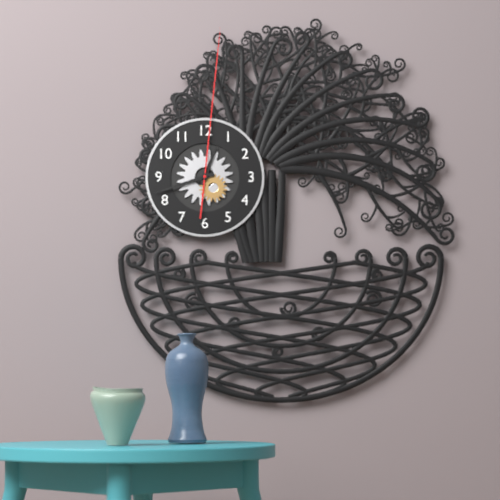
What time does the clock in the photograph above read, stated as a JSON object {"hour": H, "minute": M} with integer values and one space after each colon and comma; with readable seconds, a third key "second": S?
{"hour": 12, "minute": 42, "second": 1}
